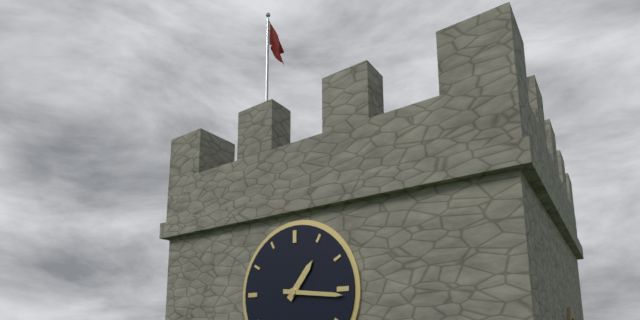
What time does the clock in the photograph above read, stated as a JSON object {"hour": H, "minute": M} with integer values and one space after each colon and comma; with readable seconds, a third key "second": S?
{"hour": 1, "minute": 16}
